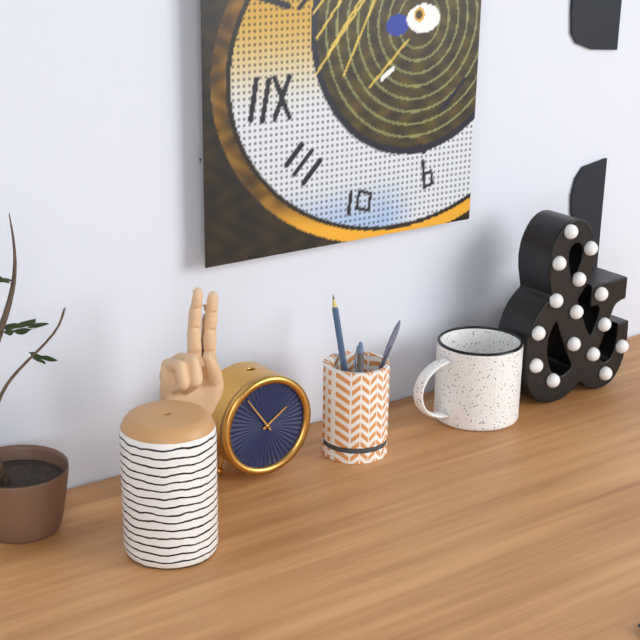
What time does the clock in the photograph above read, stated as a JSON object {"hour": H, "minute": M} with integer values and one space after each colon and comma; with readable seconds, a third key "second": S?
{"hour": 1, "minute": 54}
